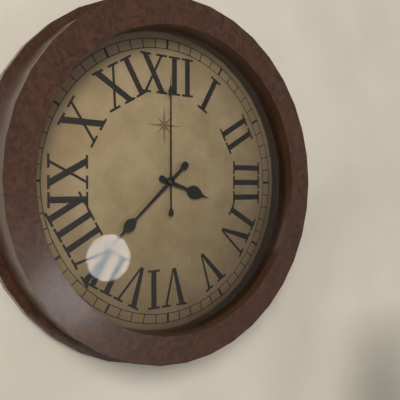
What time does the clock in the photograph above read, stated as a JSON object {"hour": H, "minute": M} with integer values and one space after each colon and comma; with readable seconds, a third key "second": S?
{"hour": 3, "minute": 38, "second": 0}
